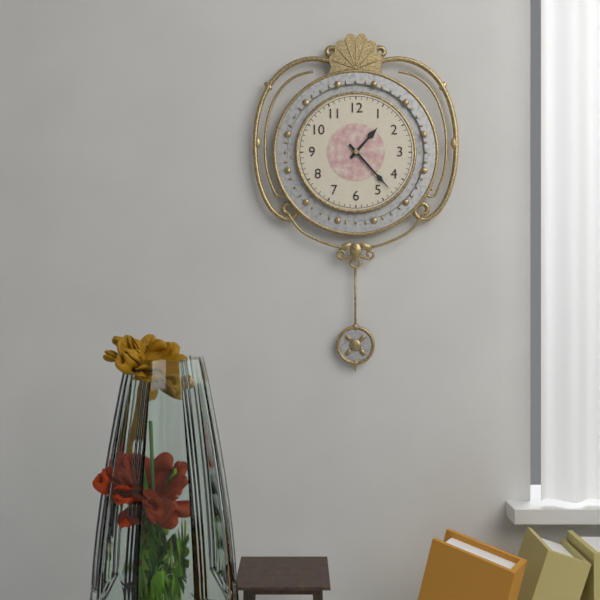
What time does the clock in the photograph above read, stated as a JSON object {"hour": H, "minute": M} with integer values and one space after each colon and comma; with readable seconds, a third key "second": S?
{"hour": 1, "minute": 23}
